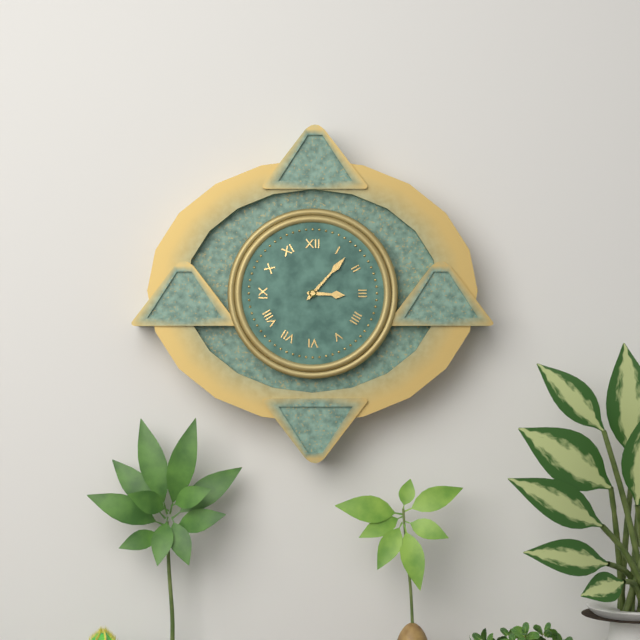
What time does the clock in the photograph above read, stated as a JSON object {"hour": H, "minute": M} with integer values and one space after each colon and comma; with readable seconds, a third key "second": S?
{"hour": 3, "minute": 7}
